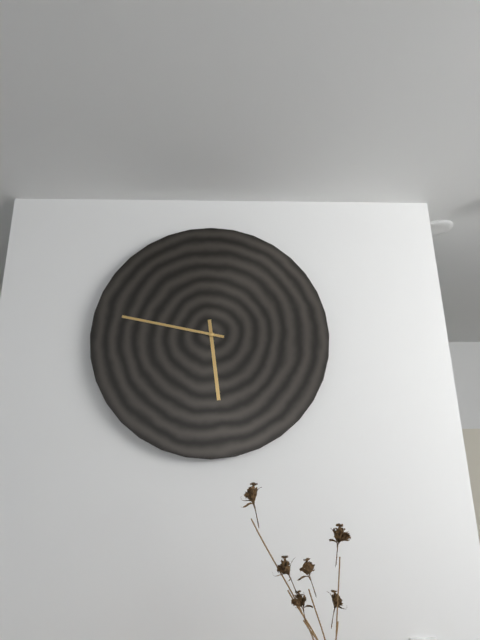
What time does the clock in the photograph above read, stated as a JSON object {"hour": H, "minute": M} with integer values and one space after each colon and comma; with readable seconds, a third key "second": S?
{"hour": 5, "minute": 47}
